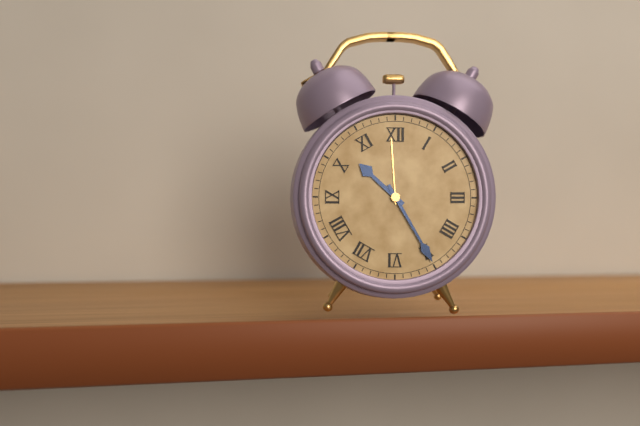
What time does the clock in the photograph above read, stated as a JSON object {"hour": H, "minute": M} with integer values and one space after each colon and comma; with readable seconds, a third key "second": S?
{"hour": 10, "minute": 25}
